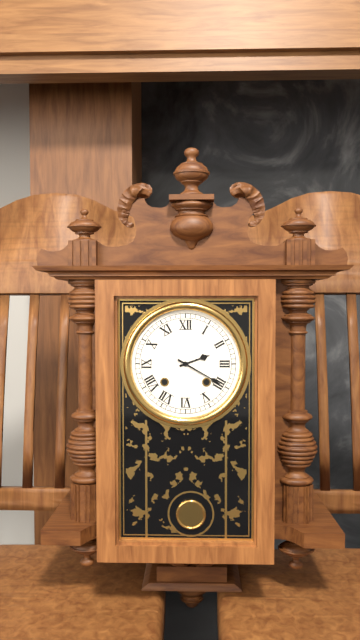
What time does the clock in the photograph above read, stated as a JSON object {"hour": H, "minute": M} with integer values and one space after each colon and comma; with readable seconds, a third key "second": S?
{"hour": 2, "minute": 20}
